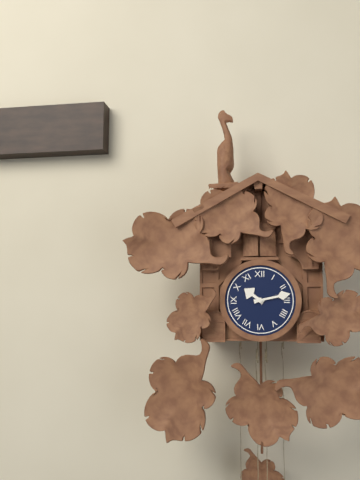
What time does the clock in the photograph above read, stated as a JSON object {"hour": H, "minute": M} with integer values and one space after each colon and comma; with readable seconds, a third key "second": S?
{"hour": 10, "minute": 13}
